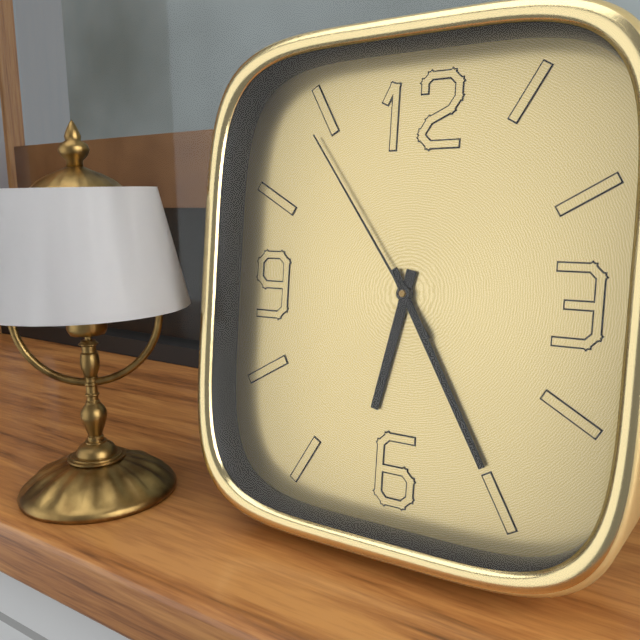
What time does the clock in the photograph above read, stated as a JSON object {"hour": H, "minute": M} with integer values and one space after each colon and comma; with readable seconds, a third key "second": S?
{"hour": 6, "minute": 25, "second": 54}
